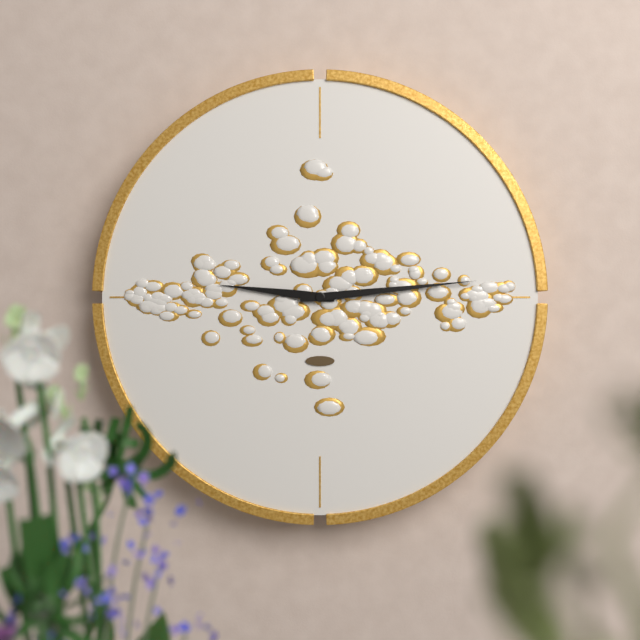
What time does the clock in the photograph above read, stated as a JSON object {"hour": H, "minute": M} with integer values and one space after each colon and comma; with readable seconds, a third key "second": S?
{"hour": 9, "minute": 14}
